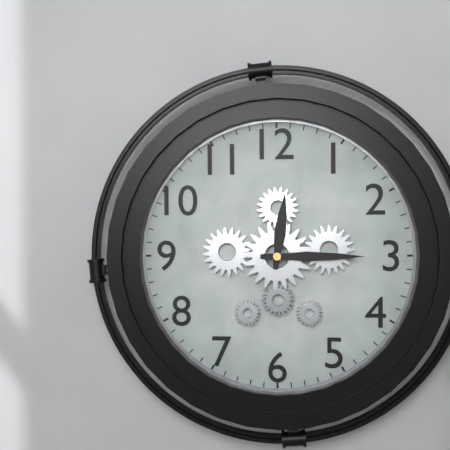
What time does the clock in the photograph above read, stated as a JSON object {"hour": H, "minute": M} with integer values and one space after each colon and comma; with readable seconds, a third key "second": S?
{"hour": 12, "minute": 15}
